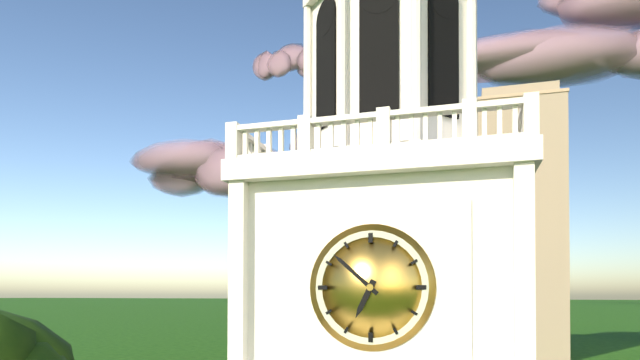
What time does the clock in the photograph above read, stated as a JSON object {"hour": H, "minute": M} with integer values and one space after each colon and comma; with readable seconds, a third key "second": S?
{"hour": 6, "minute": 52}
